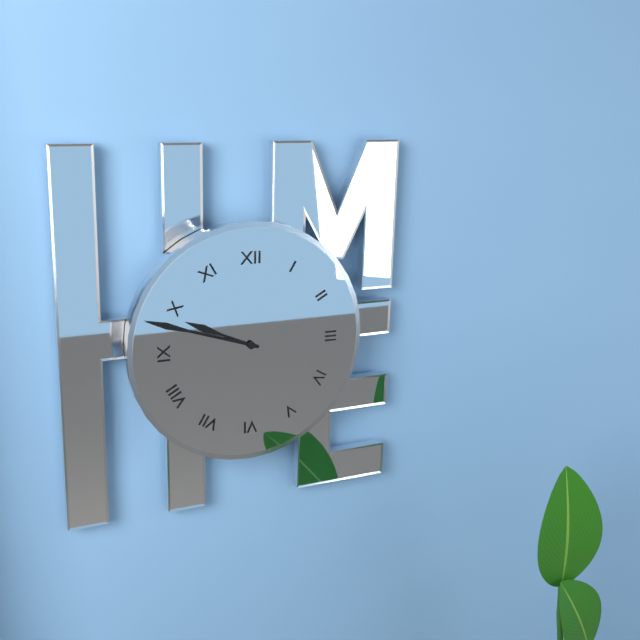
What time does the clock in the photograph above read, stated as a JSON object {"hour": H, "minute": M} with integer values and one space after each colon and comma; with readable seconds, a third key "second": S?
{"hour": 9, "minute": 48}
